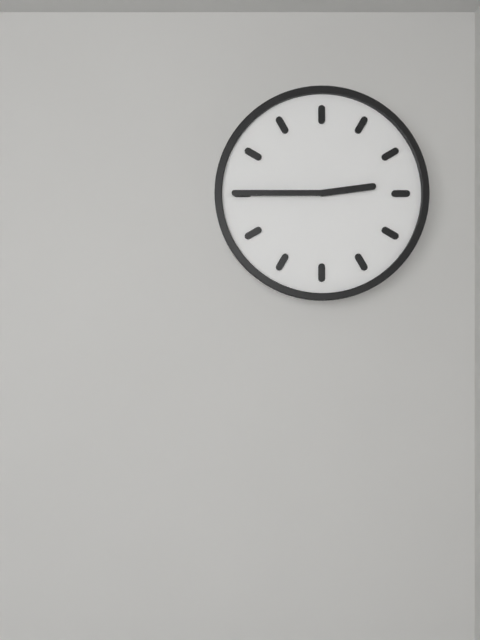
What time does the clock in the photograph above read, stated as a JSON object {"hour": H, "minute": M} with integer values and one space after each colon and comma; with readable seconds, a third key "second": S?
{"hour": 2, "minute": 45}
